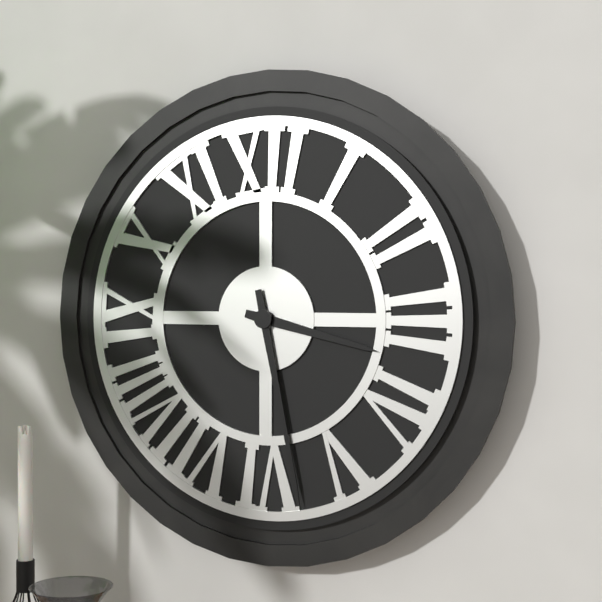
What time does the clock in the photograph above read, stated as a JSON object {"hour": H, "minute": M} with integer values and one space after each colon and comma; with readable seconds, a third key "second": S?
{"hour": 3, "minute": 28}
